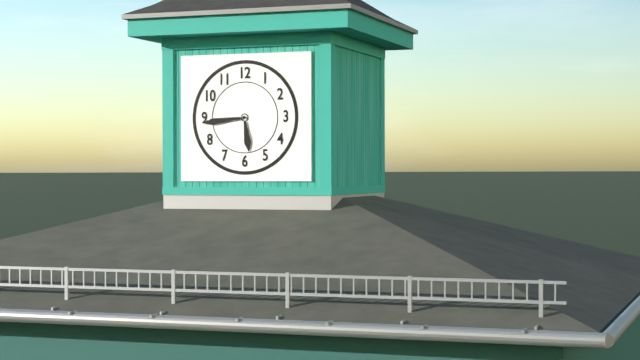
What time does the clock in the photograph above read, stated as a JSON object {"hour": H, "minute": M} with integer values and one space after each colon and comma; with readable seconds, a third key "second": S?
{"hour": 5, "minute": 44}
